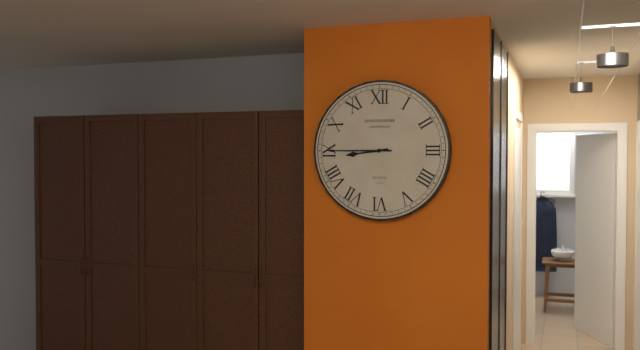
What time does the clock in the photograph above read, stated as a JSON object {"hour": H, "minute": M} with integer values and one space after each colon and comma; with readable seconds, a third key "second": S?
{"hour": 8, "minute": 45}
